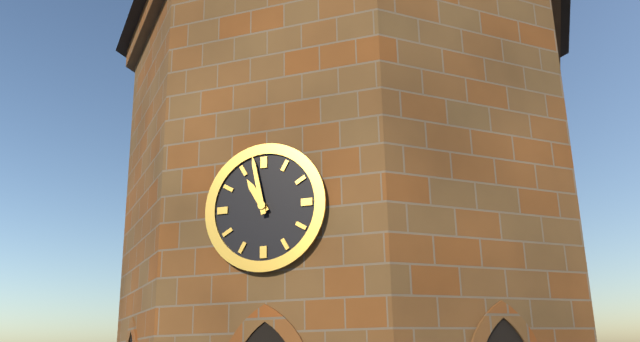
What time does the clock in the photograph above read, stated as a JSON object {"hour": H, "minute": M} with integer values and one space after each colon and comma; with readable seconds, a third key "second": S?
{"hour": 10, "minute": 58}
